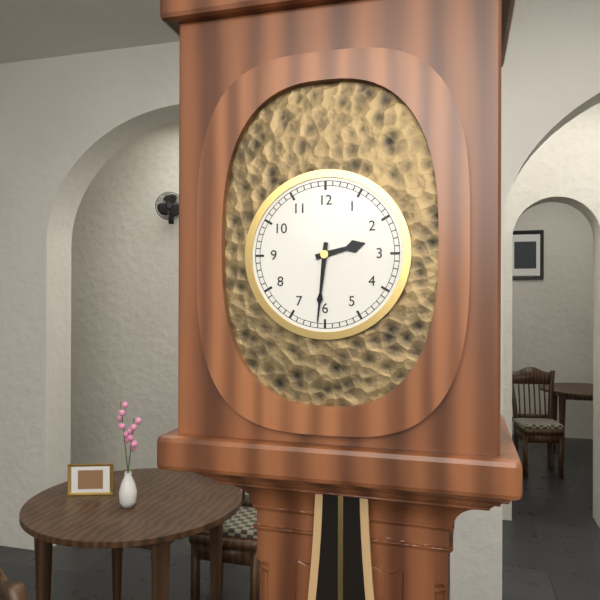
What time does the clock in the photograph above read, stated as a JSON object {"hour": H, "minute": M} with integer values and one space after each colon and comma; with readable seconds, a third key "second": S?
{"hour": 2, "minute": 31}
